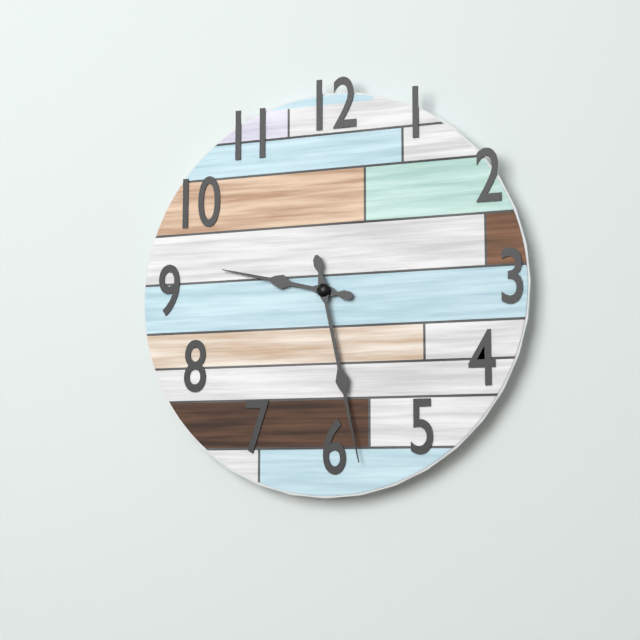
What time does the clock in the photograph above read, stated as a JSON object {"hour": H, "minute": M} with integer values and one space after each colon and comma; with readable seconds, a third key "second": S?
{"hour": 9, "minute": 28}
